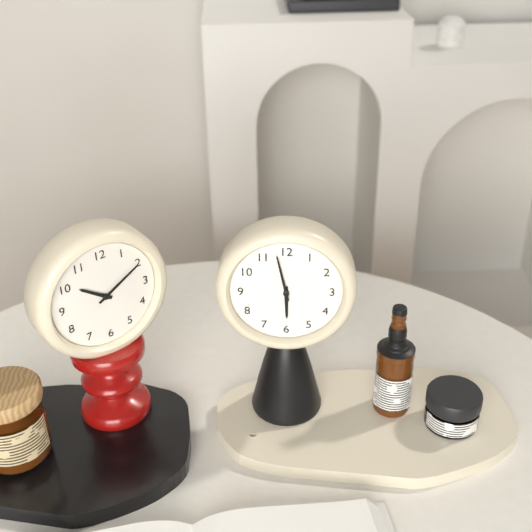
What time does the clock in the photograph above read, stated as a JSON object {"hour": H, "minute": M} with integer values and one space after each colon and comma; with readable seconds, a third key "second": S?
{"hour": 5, "minute": 58}
